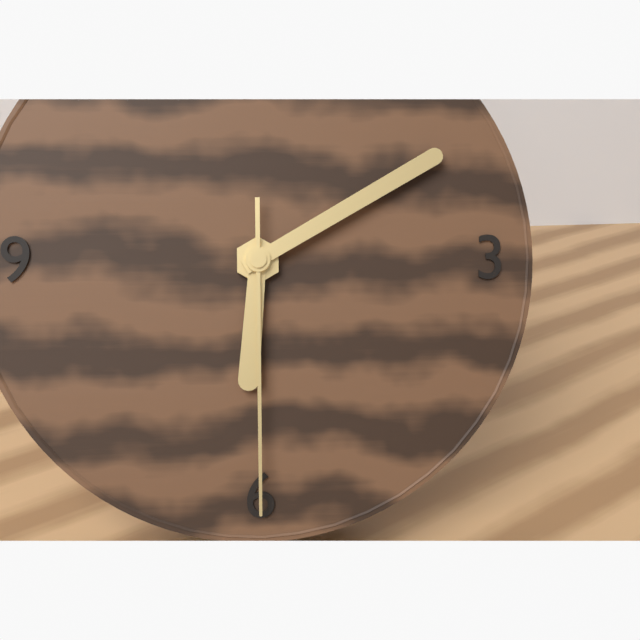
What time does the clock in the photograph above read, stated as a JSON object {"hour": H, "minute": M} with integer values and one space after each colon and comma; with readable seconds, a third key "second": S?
{"hour": 6, "minute": 10, "second": 30}
